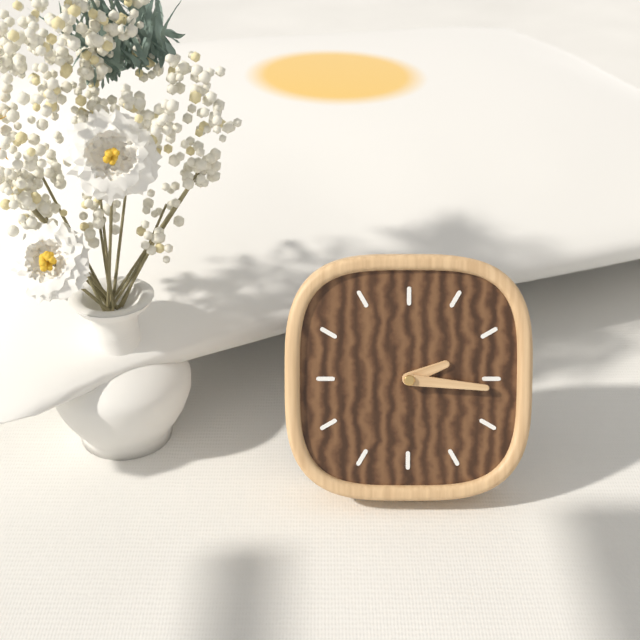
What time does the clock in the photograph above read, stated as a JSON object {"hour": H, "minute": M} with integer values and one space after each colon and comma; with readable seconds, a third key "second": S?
{"hour": 2, "minute": 16}
